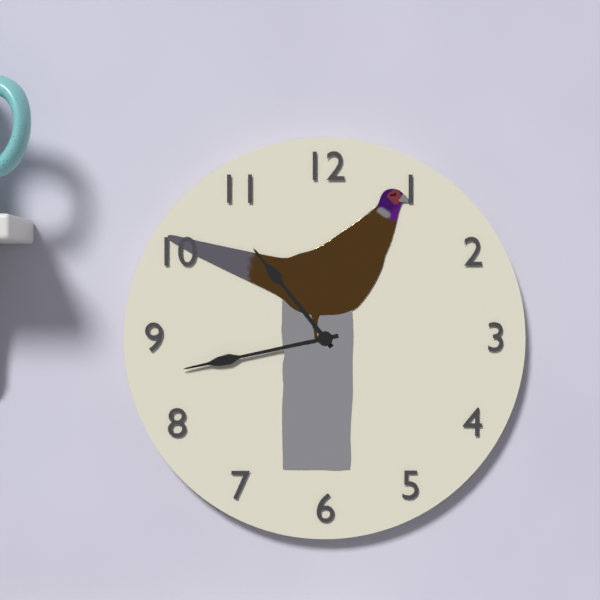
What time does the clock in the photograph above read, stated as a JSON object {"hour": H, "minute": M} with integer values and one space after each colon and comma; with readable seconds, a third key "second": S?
{"hour": 10, "minute": 43}
